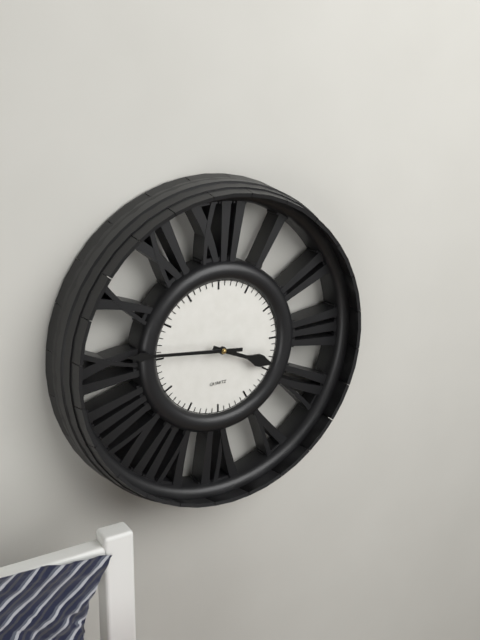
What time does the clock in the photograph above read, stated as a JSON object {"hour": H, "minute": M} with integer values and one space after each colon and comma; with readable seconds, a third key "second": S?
{"hour": 3, "minute": 46}
